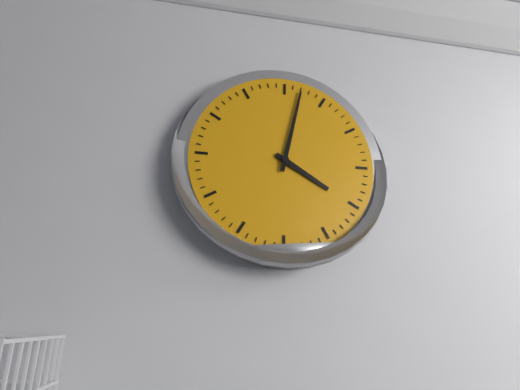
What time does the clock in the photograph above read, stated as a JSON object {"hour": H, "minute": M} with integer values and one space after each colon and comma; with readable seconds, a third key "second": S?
{"hour": 4, "minute": 2}
